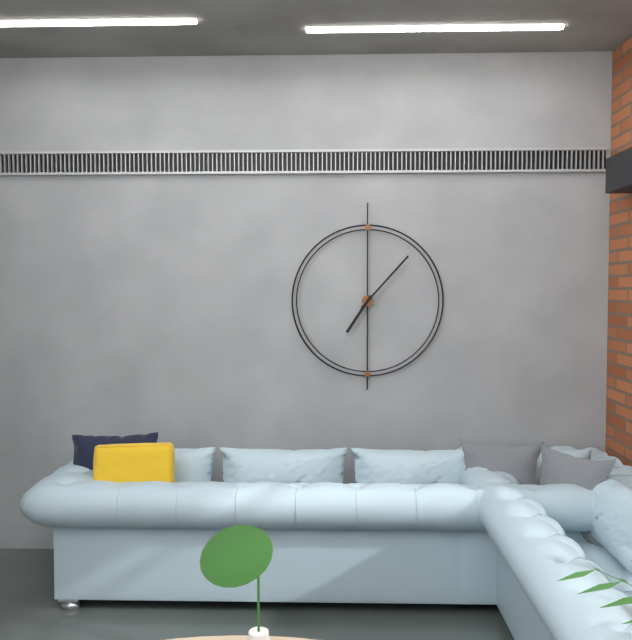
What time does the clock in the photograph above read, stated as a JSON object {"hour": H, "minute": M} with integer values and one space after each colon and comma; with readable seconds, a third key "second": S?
{"hour": 7, "minute": 7}
